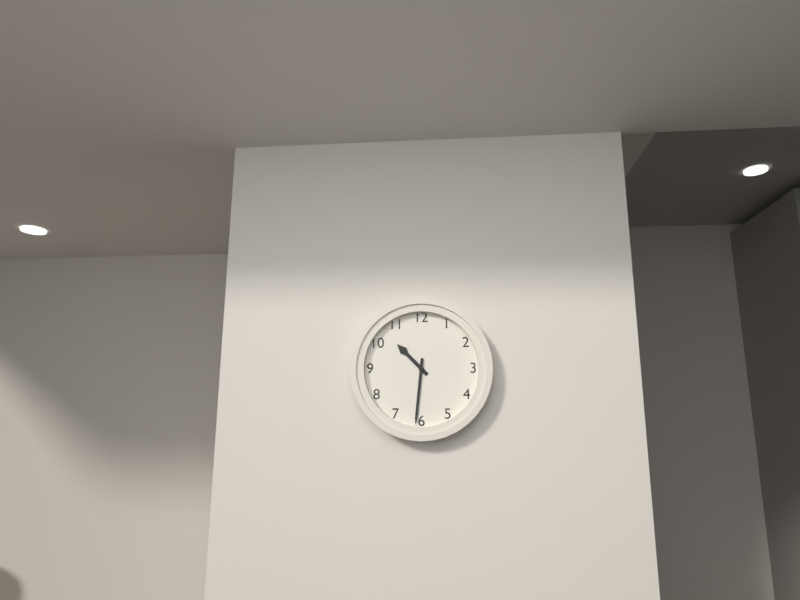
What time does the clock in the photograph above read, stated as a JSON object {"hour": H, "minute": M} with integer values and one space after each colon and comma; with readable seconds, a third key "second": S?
{"hour": 10, "minute": 31}
